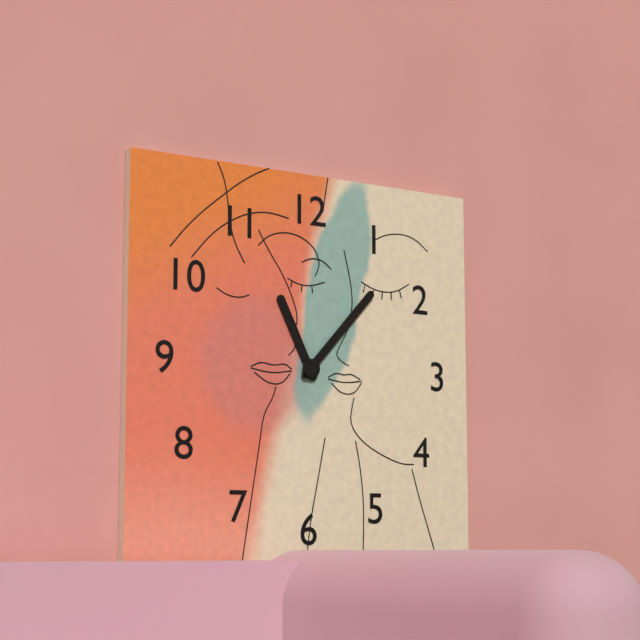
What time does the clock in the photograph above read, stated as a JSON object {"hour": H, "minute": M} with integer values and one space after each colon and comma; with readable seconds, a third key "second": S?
{"hour": 11, "minute": 7}
